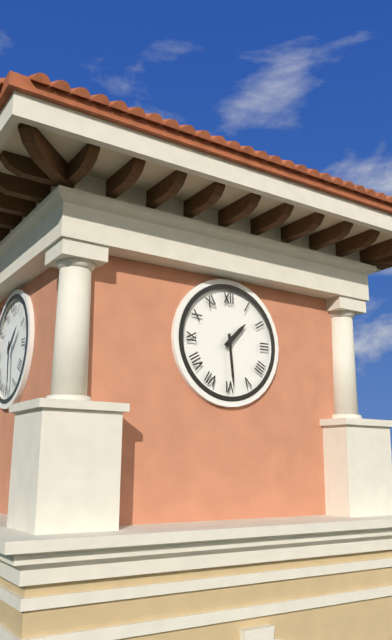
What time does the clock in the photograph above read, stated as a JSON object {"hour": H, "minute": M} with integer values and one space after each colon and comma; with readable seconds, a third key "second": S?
{"hour": 1, "minute": 29}
